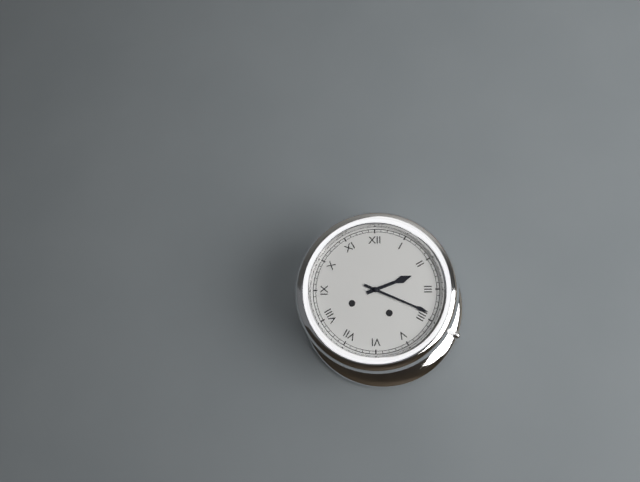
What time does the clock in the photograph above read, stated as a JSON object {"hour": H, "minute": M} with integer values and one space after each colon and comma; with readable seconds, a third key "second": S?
{"hour": 2, "minute": 19}
